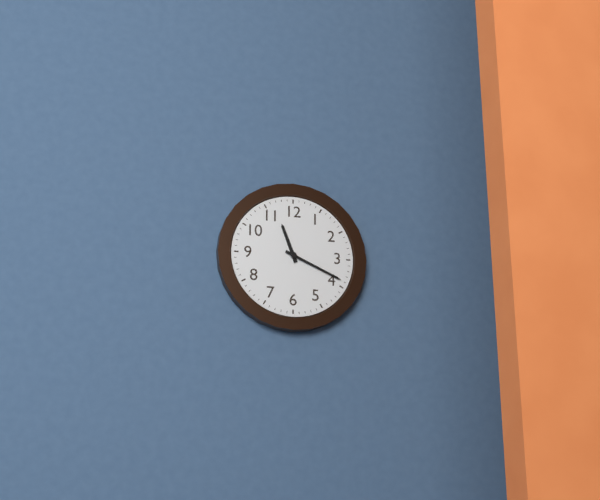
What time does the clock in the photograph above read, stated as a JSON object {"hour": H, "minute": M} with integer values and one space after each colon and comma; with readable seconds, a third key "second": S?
{"hour": 11, "minute": 19}
